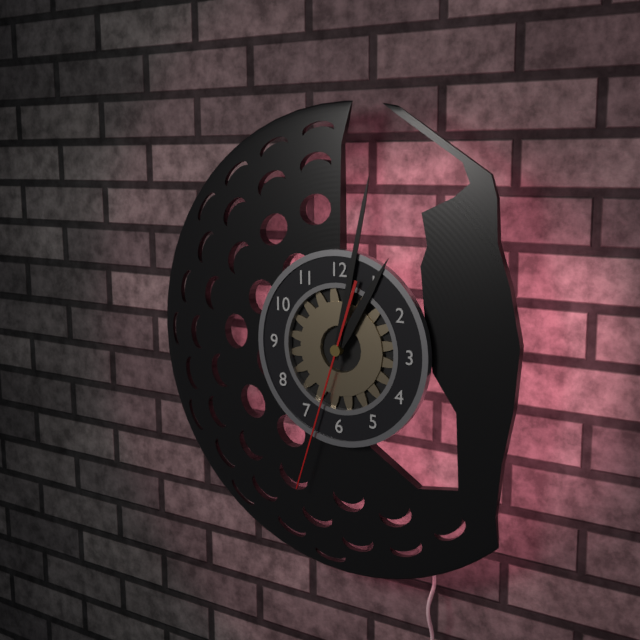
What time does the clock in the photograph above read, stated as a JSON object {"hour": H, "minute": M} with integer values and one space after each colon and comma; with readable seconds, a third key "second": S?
{"hour": 1, "minute": 2, "second": 33}
